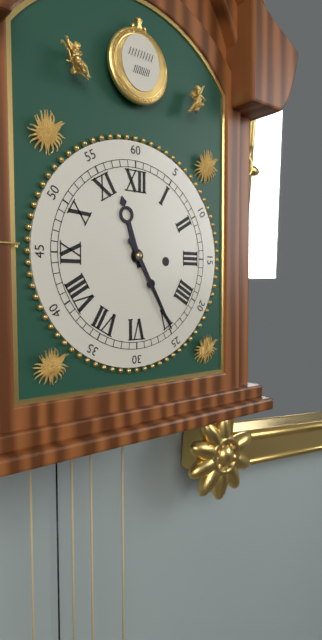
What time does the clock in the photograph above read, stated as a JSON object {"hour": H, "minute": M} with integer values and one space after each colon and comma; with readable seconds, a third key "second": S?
{"hour": 11, "minute": 25}
